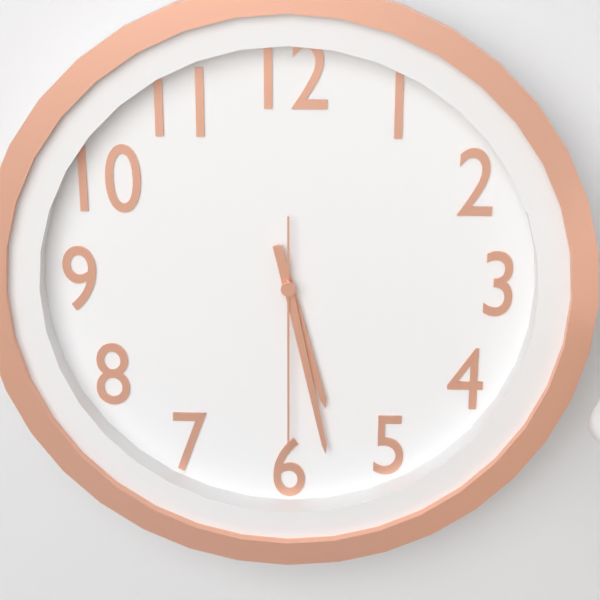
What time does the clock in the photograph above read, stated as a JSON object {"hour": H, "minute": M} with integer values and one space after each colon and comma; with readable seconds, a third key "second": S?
{"hour": 5, "minute": 28, "second": 30}
